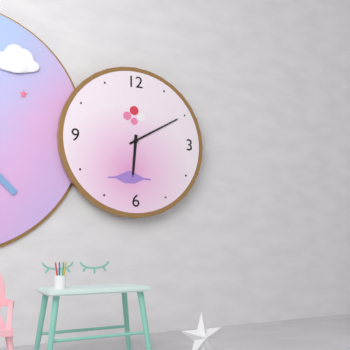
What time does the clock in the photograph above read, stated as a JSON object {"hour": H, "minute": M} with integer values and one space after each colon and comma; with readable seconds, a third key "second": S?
{"hour": 6, "minute": 10}
